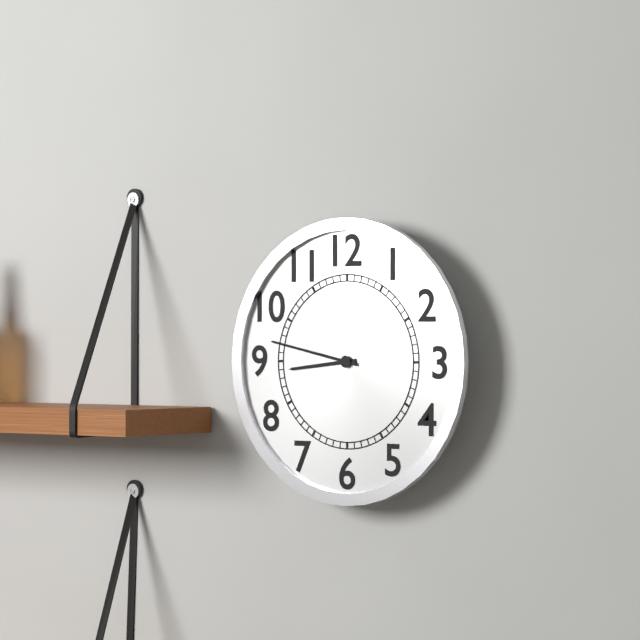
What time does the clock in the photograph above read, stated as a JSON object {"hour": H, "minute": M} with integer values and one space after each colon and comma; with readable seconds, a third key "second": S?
{"hour": 8, "minute": 47}
